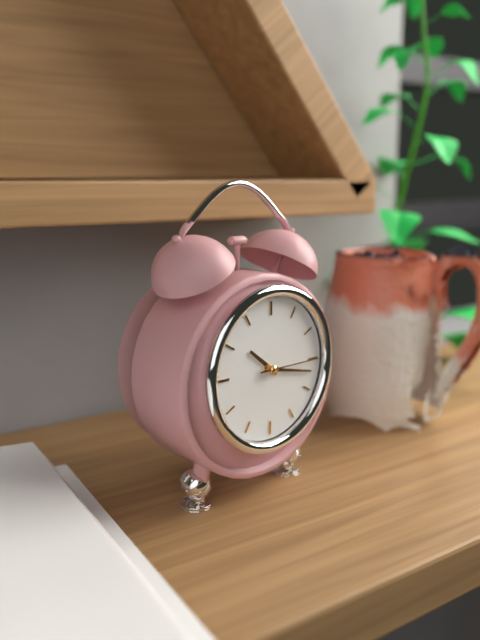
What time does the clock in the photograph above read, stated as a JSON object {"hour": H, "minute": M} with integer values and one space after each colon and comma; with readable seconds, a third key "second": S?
{"hour": 10, "minute": 17, "second": 15}
